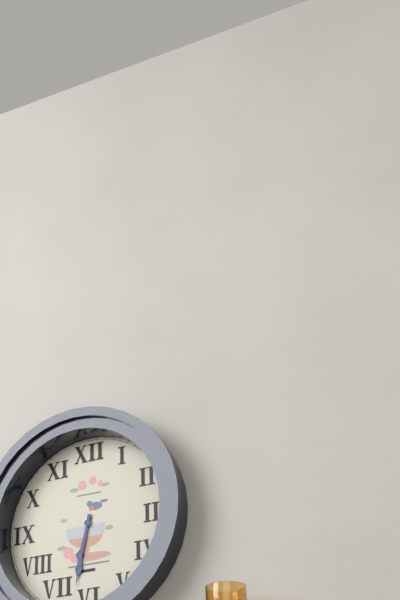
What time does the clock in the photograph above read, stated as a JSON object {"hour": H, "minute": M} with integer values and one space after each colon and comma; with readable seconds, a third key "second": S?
{"hour": 6, "minute": 32}
